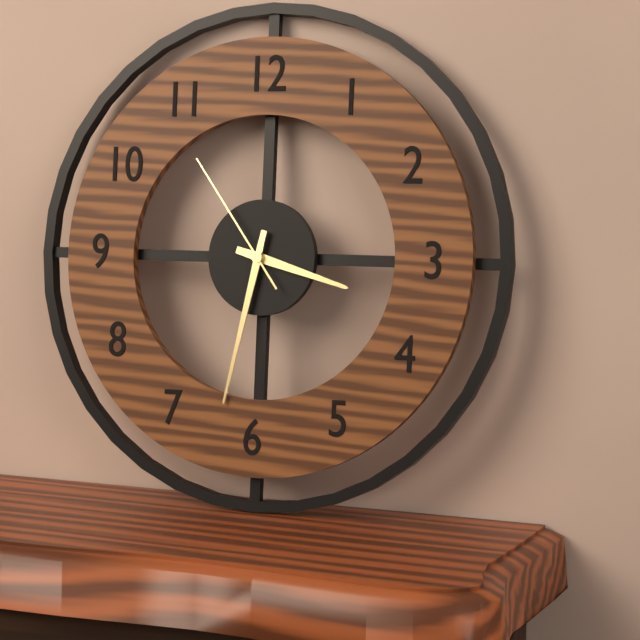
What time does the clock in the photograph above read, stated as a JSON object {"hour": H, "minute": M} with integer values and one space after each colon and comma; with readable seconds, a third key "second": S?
{"hour": 3, "minute": 32, "second": 54}
